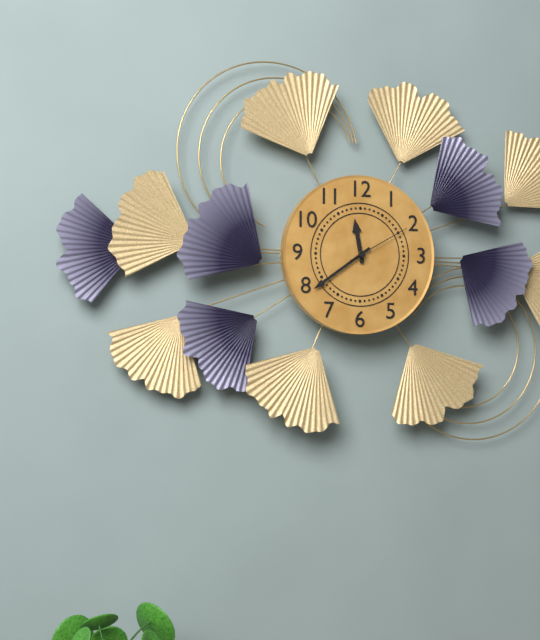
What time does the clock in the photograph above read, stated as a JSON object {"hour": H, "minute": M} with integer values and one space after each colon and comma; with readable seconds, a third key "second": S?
{"hour": 11, "minute": 39, "second": 10}
